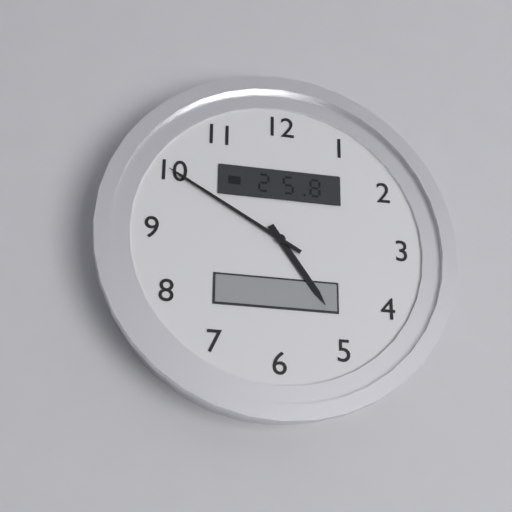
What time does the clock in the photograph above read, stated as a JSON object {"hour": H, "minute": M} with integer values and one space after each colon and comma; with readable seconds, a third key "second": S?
{"hour": 4, "minute": 50}
